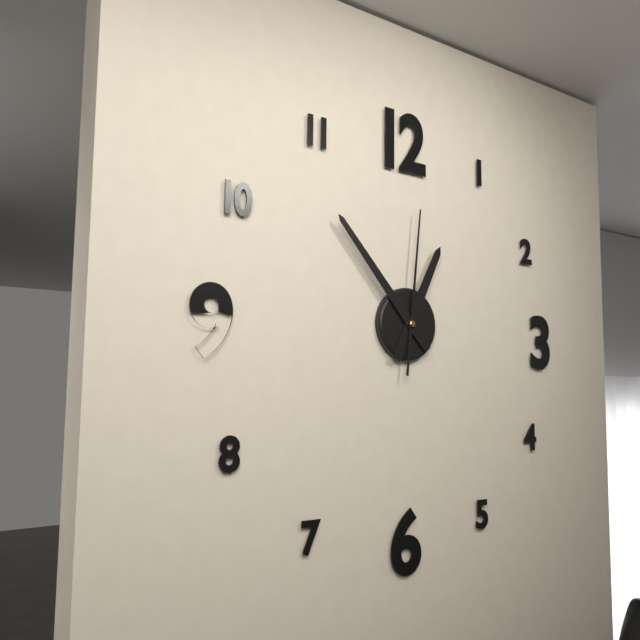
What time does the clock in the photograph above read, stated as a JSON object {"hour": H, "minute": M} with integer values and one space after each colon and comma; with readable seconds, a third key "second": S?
{"hour": 12, "minute": 53, "second": 1}
